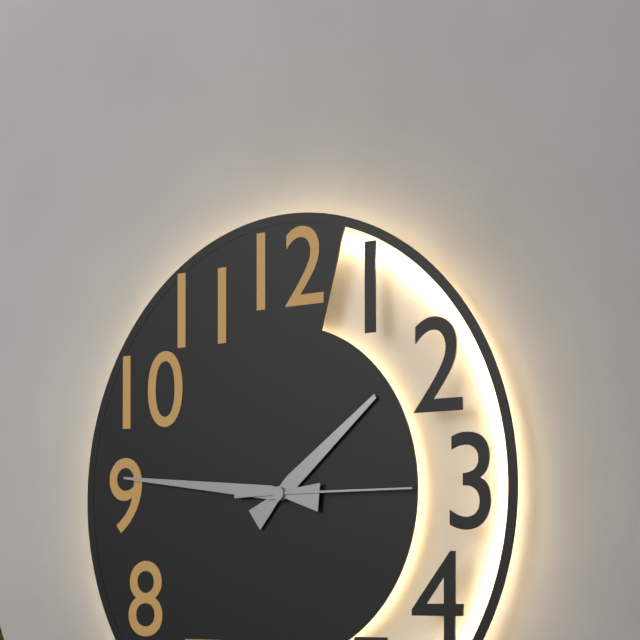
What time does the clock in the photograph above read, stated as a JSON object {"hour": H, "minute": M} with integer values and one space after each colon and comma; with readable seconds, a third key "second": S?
{"hour": 1, "minute": 46, "second": 15}
